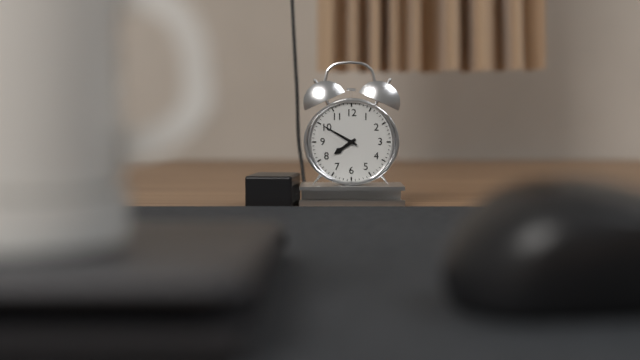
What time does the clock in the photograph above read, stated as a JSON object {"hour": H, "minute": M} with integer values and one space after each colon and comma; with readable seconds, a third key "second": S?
{"hour": 7, "minute": 50}
